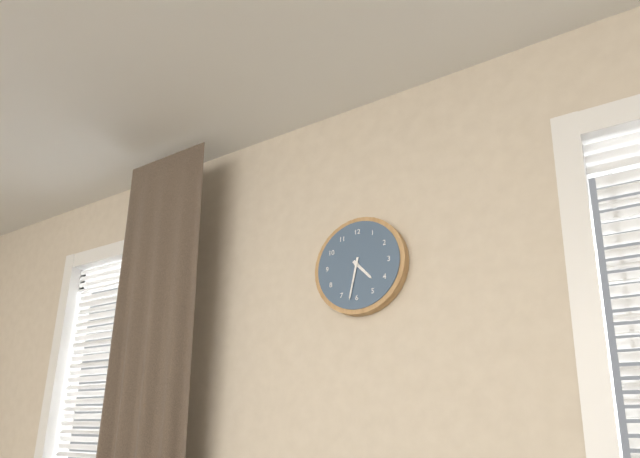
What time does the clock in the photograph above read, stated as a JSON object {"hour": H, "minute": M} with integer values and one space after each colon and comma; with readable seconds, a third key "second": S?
{"hour": 4, "minute": 32}
